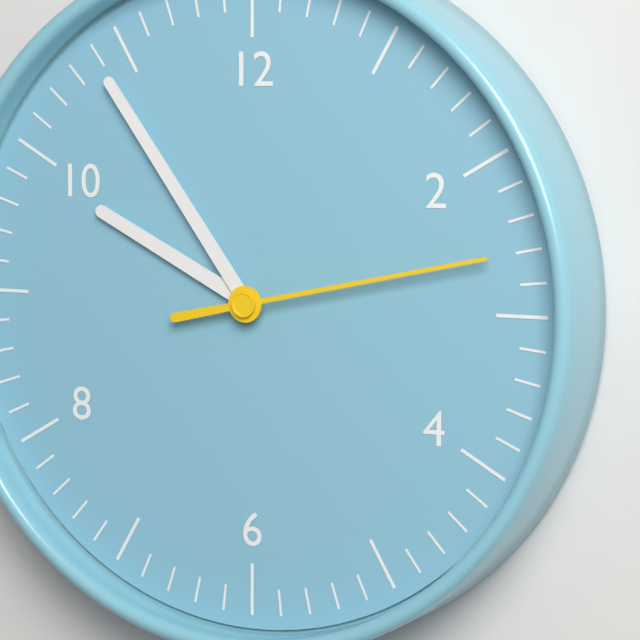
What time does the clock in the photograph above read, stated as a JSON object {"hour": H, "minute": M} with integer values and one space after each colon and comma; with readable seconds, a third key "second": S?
{"hour": 9, "minute": 54, "second": 13}
